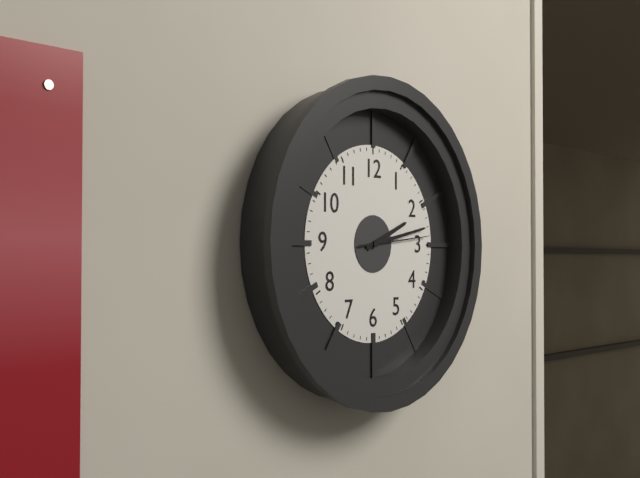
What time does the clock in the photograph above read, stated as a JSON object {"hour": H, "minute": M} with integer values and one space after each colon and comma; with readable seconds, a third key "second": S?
{"hour": 2, "minute": 13, "second": 14}
